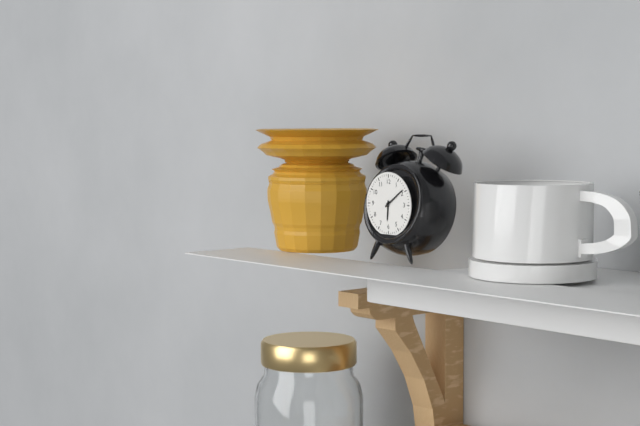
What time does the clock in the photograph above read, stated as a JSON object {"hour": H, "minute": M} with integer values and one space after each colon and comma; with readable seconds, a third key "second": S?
{"hour": 6, "minute": 9}
